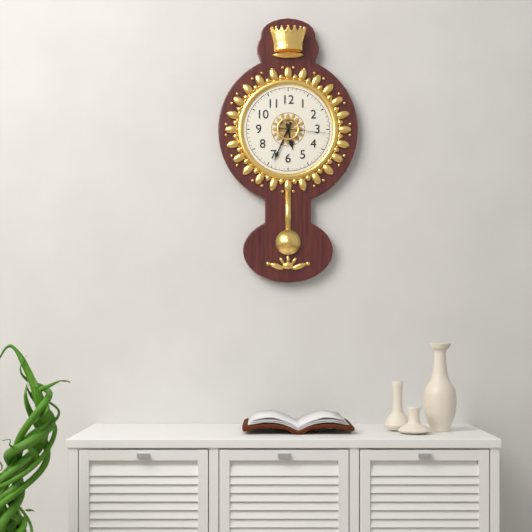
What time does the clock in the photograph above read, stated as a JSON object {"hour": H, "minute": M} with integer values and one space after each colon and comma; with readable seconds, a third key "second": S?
{"hour": 5, "minute": 34}
